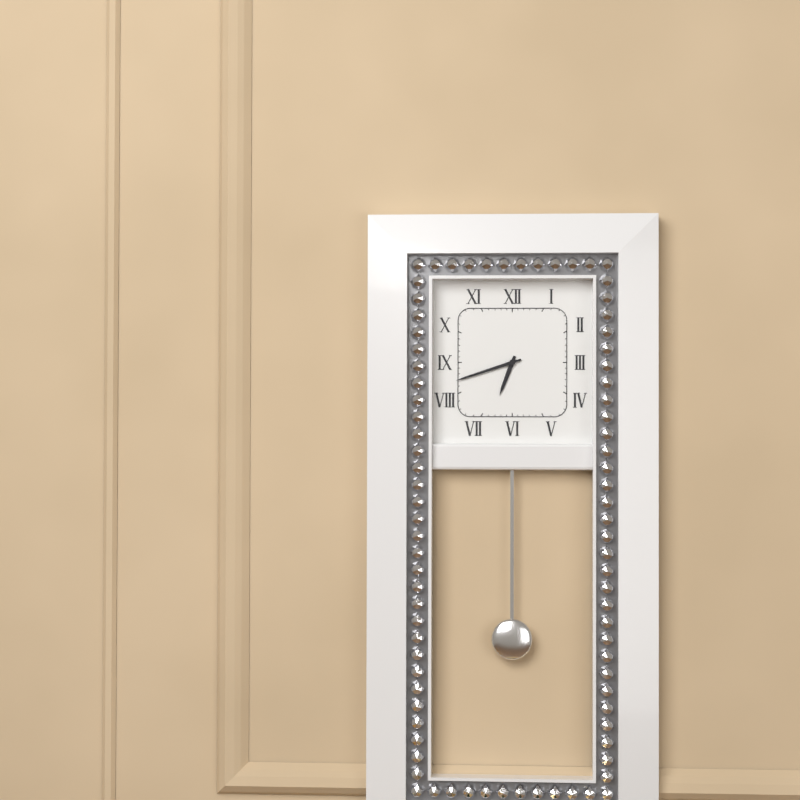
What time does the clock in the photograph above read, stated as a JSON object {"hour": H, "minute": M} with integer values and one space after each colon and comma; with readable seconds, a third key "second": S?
{"hour": 6, "minute": 42}
